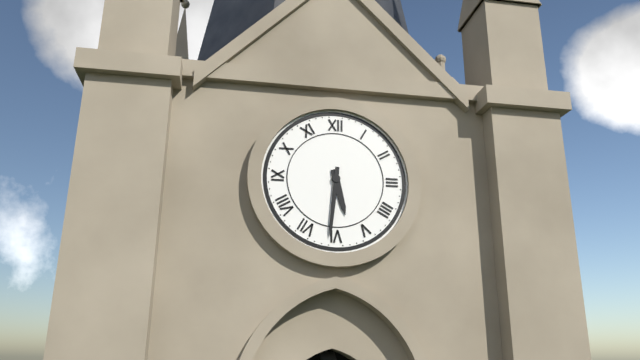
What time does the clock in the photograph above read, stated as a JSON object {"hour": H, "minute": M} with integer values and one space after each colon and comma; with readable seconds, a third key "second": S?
{"hour": 5, "minute": 31}
